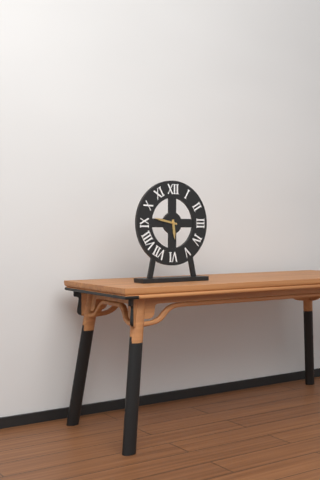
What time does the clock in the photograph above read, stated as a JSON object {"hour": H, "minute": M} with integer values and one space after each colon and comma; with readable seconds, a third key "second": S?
{"hour": 5, "minute": 47}
